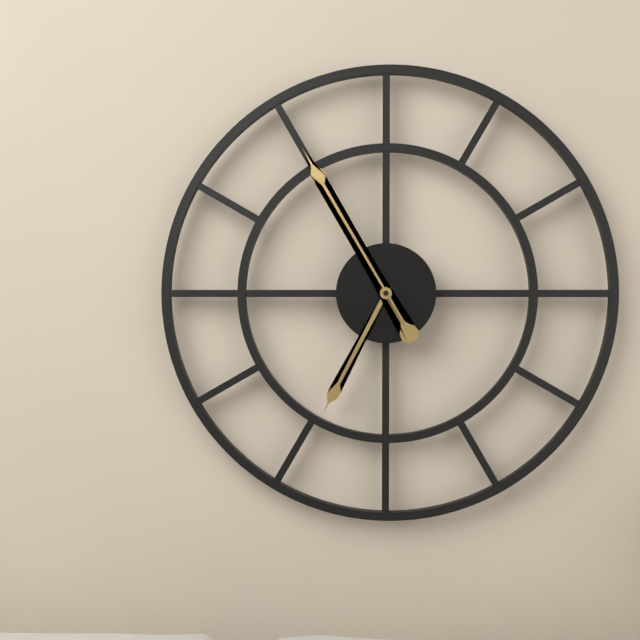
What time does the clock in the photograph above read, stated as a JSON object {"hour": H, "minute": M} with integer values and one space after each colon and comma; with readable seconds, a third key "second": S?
{"hour": 6, "minute": 55}
